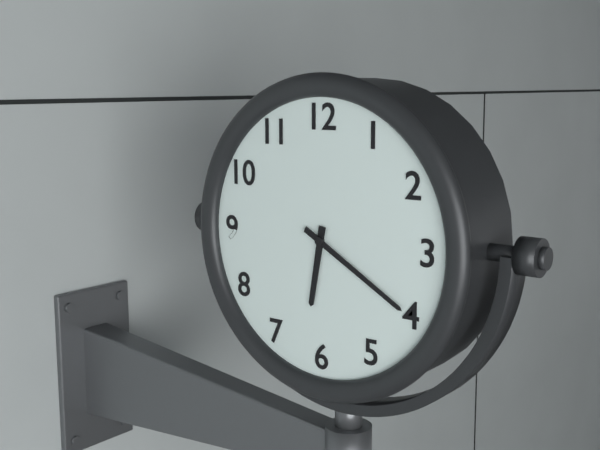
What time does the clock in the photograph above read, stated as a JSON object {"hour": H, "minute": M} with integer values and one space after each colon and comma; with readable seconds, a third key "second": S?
{"hour": 6, "minute": 20}
